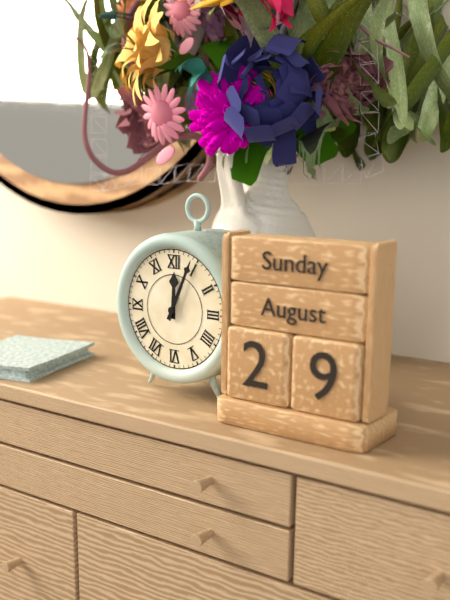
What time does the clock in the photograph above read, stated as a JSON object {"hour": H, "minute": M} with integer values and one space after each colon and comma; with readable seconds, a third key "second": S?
{"hour": 12, "minute": 4}
